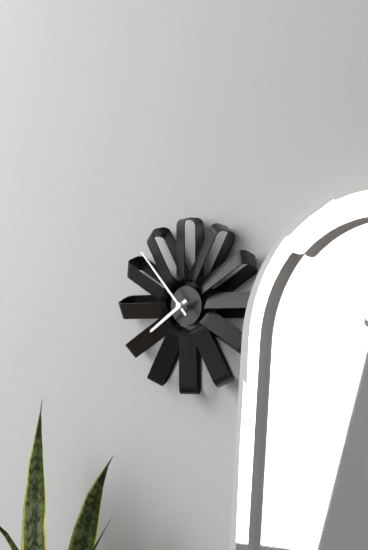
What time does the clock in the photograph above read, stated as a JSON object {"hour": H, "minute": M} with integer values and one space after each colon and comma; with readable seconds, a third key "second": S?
{"hour": 7, "minute": 53}
